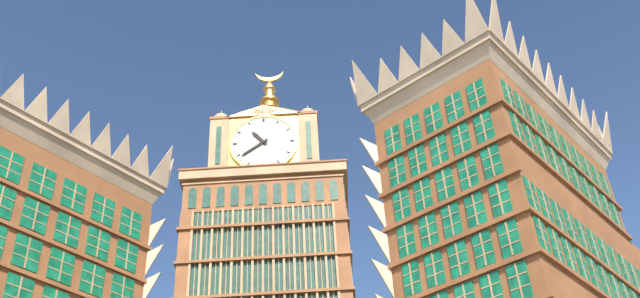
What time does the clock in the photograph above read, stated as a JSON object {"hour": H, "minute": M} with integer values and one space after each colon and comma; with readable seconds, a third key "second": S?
{"hour": 10, "minute": 39}
